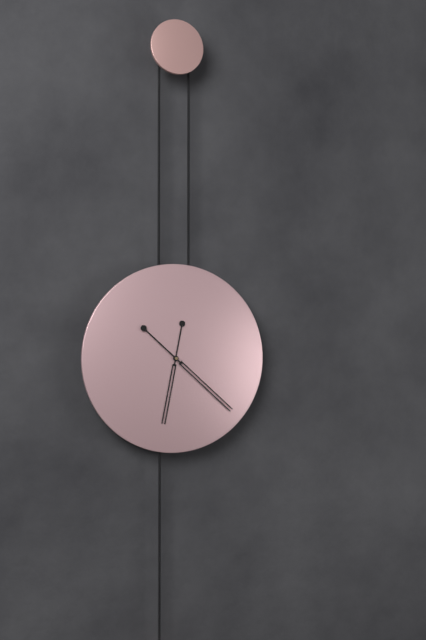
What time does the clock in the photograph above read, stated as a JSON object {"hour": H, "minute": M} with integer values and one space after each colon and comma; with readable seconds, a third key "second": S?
{"hour": 6, "minute": 22}
